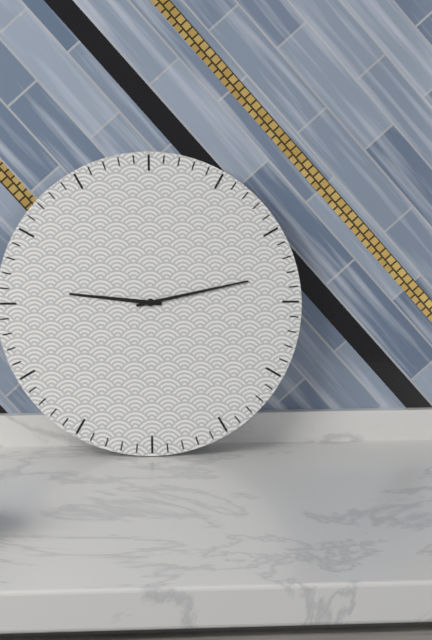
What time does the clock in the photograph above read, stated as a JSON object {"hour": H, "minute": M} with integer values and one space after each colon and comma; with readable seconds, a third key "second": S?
{"hour": 9, "minute": 13}
